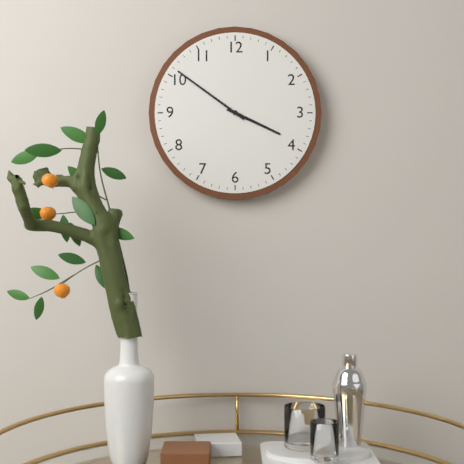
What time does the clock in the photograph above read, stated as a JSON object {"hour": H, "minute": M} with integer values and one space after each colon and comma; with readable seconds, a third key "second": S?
{"hour": 3, "minute": 51}
